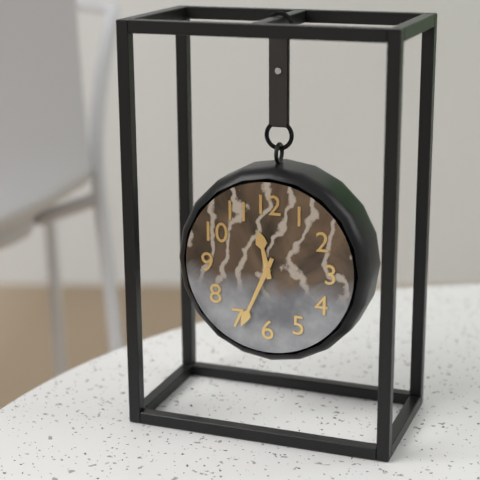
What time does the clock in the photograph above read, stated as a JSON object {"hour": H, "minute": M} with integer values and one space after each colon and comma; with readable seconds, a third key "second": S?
{"hour": 11, "minute": 34}
